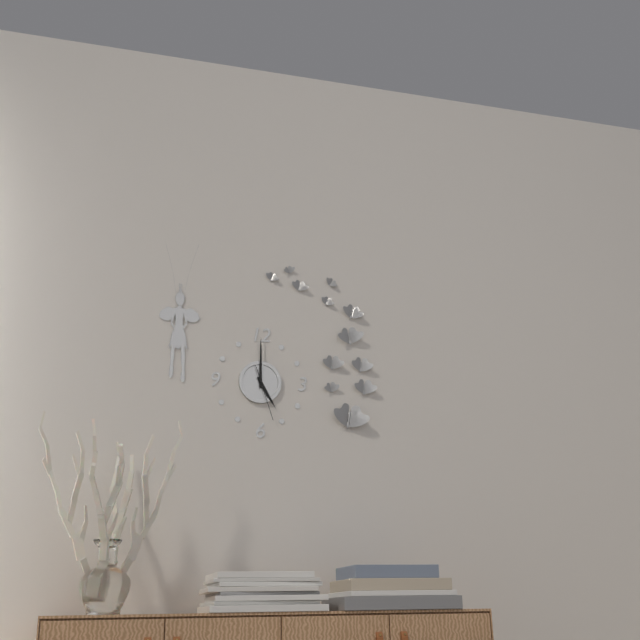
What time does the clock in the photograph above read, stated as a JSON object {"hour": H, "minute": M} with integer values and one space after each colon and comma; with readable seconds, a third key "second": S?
{"hour": 5, "minute": 0, "second": 27}
